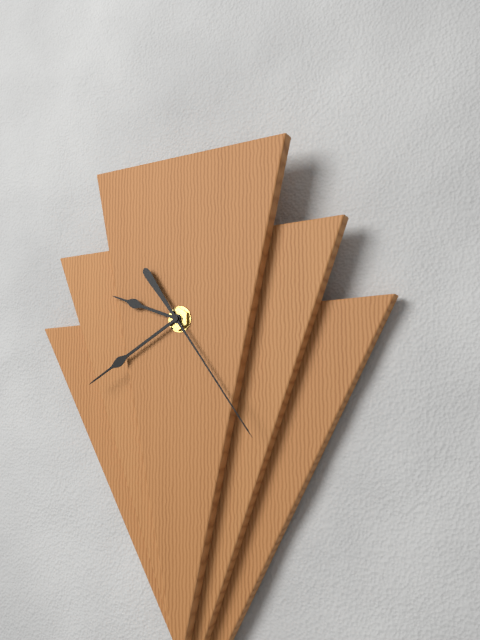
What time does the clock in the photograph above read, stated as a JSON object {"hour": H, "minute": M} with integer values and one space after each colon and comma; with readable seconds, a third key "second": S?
{"hour": 9, "minute": 40, "second": 24}
